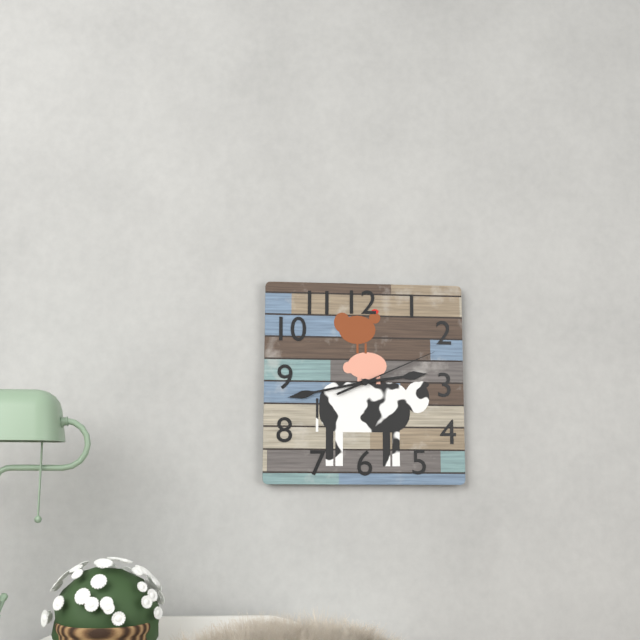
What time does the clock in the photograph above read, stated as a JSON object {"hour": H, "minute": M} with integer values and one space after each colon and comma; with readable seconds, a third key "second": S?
{"hour": 2, "minute": 43, "second": 11}
